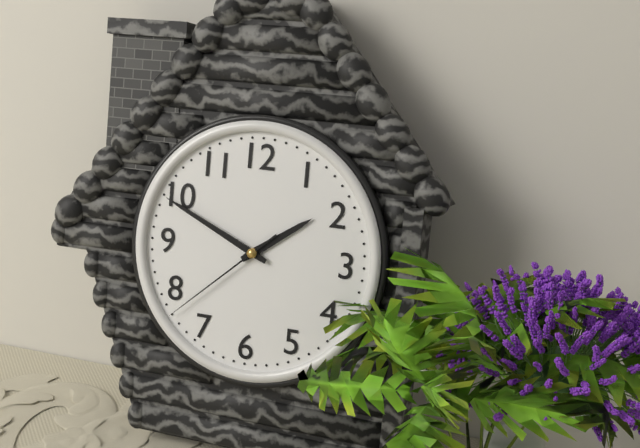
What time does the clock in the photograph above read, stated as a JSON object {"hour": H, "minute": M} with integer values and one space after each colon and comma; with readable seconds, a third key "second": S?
{"hour": 1, "minute": 49, "second": 38}
